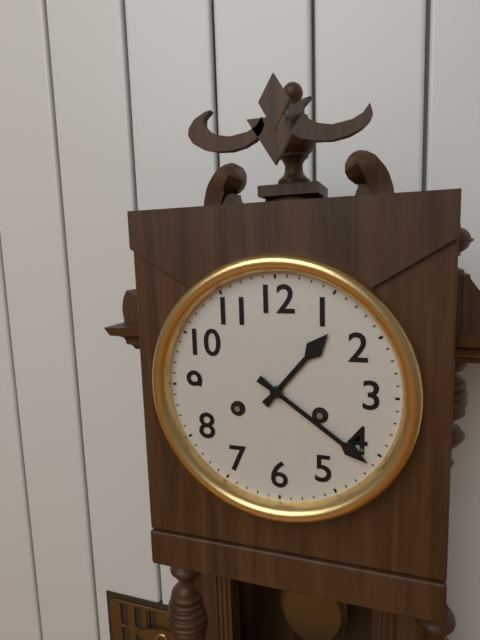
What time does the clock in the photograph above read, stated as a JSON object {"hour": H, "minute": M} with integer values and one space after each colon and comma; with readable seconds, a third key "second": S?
{"hour": 1, "minute": 21}
